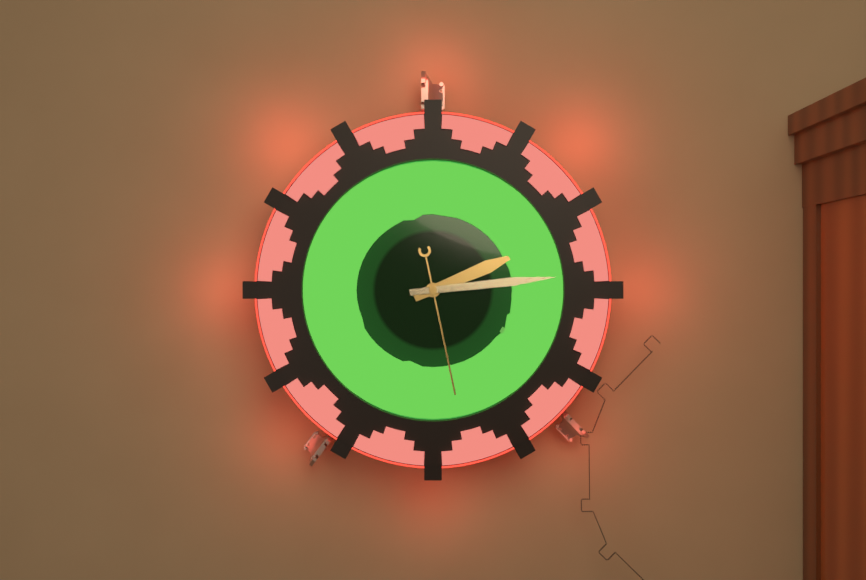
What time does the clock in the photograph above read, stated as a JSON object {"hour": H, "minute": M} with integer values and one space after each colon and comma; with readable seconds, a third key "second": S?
{"hour": 2, "minute": 14, "second": 28}
